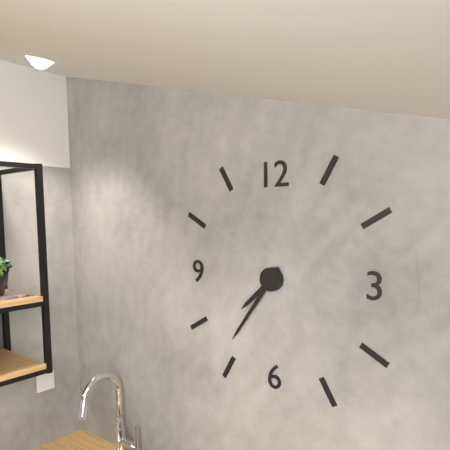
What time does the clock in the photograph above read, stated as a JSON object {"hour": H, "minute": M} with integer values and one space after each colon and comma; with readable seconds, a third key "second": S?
{"hour": 7, "minute": 36}
